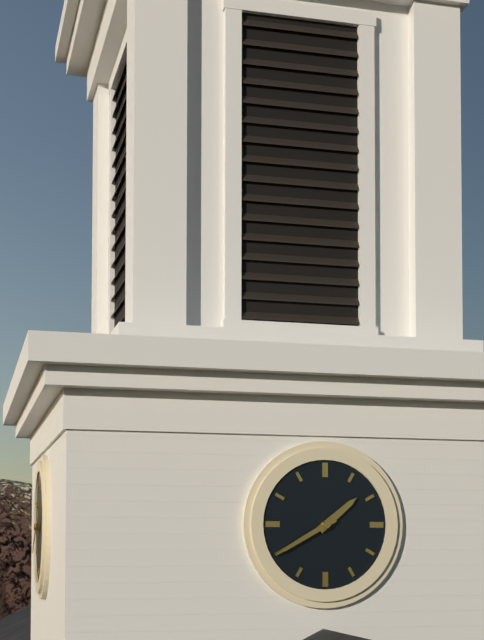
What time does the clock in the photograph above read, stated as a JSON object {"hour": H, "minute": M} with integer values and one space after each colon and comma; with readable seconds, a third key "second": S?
{"hour": 1, "minute": 40}
